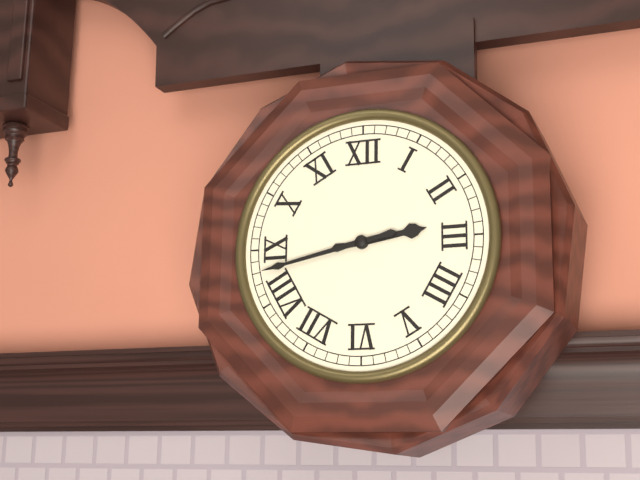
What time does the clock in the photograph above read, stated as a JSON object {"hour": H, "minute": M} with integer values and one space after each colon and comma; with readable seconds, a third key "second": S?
{"hour": 2, "minute": 43}
